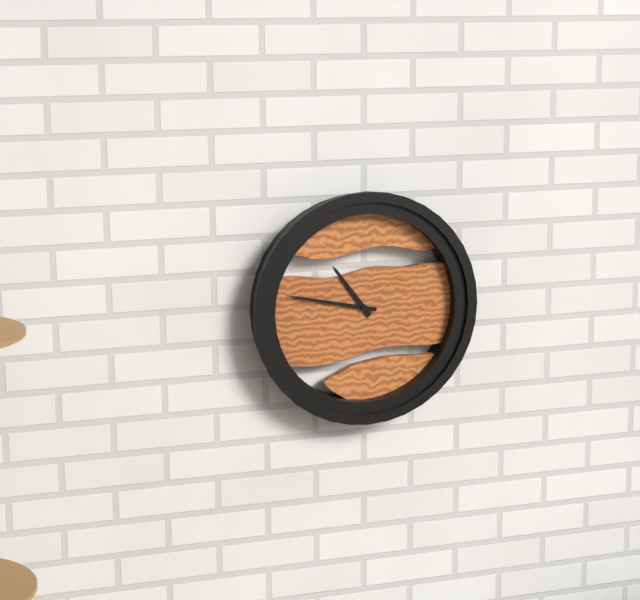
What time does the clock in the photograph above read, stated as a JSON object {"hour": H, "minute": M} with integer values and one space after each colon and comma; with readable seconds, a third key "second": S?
{"hour": 10, "minute": 47}
